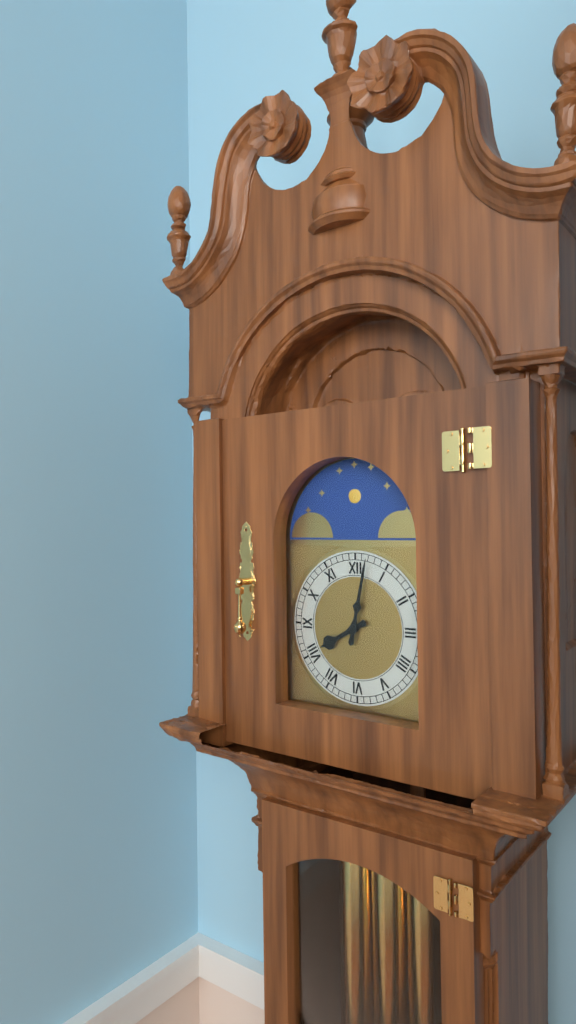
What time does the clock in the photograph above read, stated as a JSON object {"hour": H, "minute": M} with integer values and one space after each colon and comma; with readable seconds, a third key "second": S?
{"hour": 8, "minute": 2}
